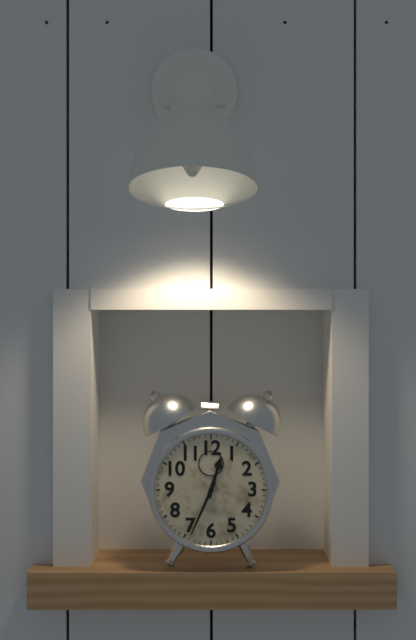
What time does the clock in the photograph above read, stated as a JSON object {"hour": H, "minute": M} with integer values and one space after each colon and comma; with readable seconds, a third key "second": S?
{"hour": 12, "minute": 34}
